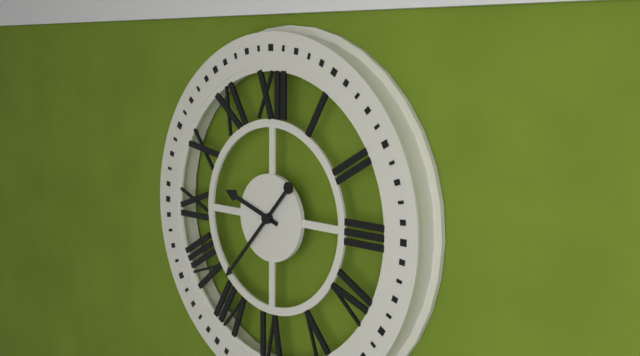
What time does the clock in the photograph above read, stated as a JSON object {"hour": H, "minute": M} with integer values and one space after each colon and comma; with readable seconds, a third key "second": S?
{"hour": 9, "minute": 37}
